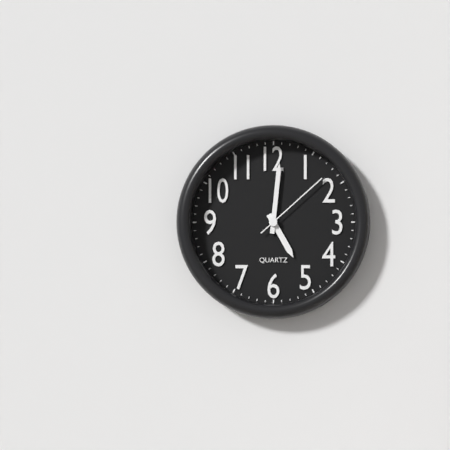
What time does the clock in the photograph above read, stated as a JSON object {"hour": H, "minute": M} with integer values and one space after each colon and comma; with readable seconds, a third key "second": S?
{"hour": 5, "minute": 1, "second": 8}
